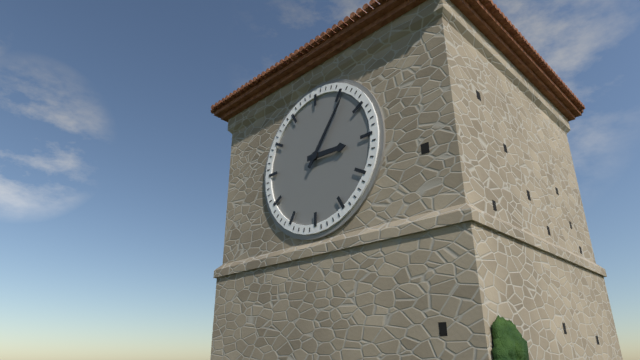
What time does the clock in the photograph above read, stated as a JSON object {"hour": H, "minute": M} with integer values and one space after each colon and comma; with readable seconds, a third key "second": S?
{"hour": 3, "minute": 6}
